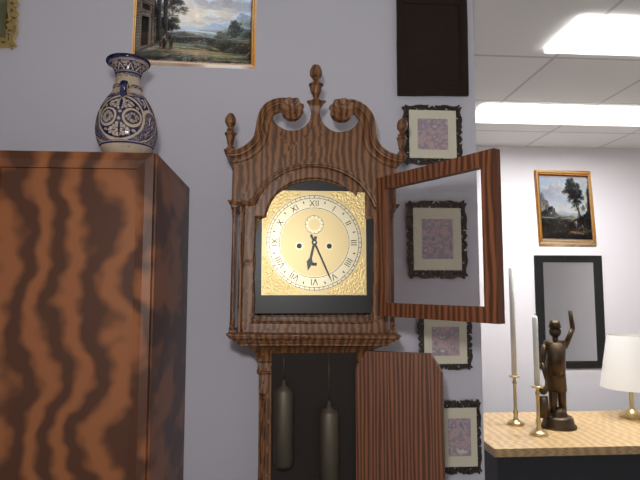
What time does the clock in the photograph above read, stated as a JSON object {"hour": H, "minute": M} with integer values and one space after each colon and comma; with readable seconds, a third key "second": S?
{"hour": 6, "minute": 26}
